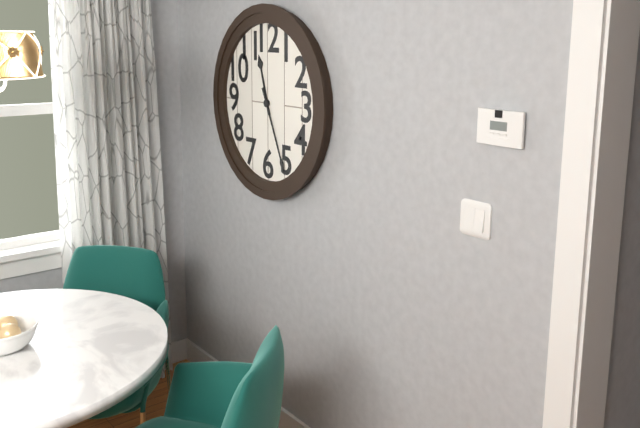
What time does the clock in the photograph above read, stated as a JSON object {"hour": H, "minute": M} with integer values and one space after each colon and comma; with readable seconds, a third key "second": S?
{"hour": 11, "minute": 26}
